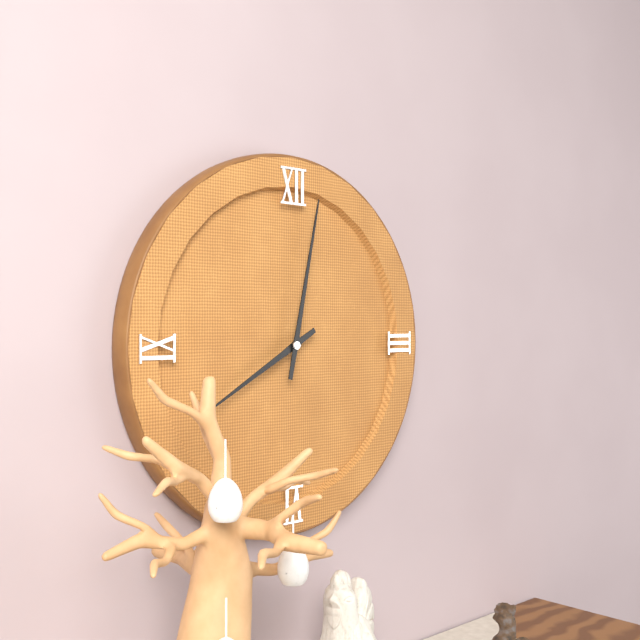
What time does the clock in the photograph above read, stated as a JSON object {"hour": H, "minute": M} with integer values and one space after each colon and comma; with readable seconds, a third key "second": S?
{"hour": 8, "minute": 2}
